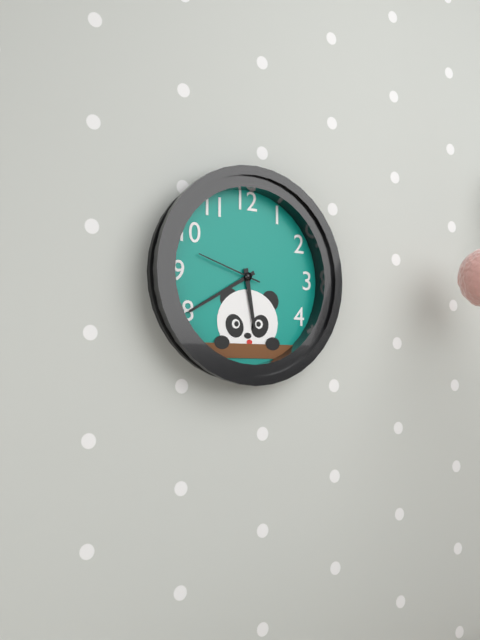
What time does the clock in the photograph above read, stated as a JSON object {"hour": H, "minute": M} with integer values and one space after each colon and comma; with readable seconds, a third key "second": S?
{"hour": 5, "minute": 40, "second": 48}
